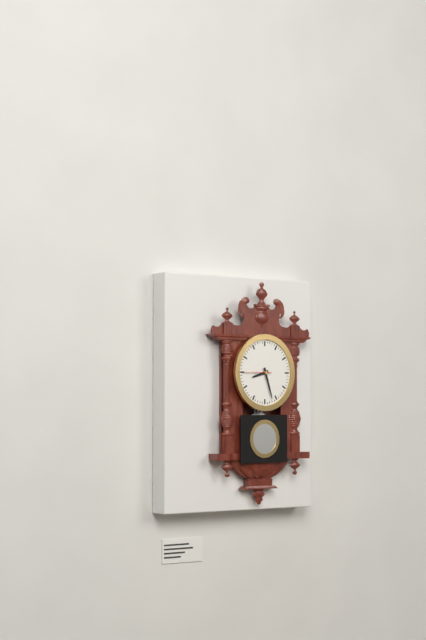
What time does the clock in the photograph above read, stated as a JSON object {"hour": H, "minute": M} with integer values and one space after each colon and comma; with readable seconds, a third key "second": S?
{"hour": 8, "minute": 27}
